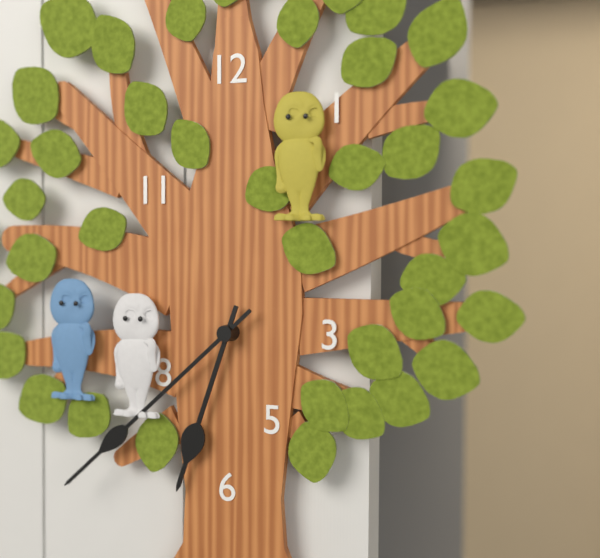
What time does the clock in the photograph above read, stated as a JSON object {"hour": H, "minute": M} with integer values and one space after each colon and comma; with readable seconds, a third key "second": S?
{"hour": 6, "minute": 38}
